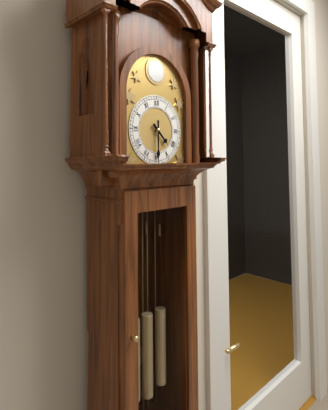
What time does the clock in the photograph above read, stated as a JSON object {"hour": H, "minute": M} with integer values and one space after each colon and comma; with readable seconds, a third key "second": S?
{"hour": 4, "minute": 30}
